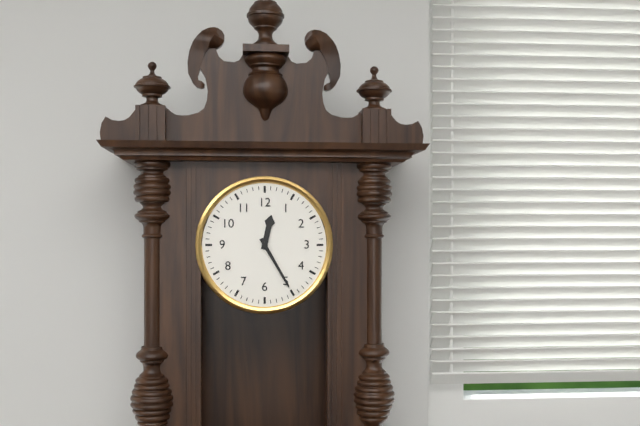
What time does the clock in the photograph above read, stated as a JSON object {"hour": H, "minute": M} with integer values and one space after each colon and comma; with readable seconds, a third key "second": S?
{"hour": 12, "minute": 25}
